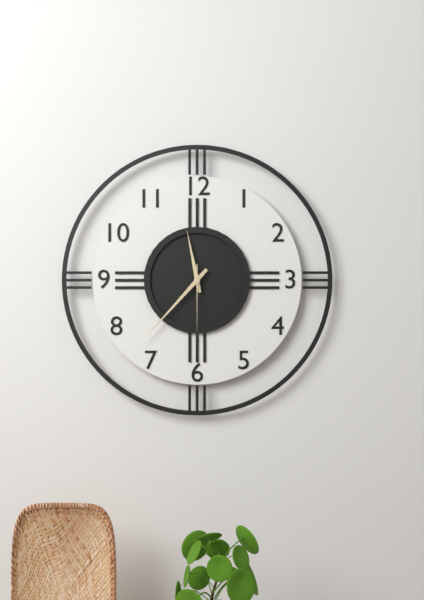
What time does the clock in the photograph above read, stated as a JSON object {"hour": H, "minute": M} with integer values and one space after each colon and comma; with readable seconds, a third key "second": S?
{"hour": 11, "minute": 37, "second": 30}
